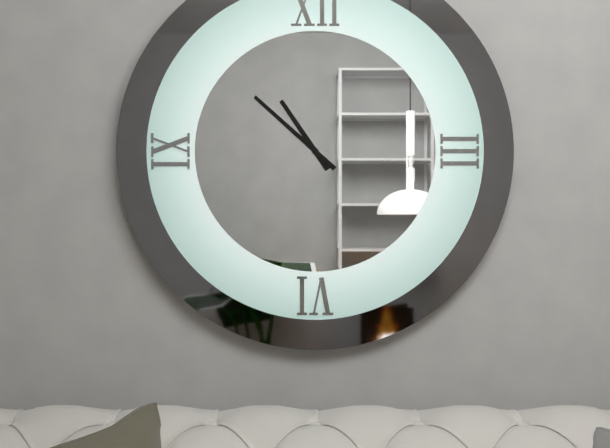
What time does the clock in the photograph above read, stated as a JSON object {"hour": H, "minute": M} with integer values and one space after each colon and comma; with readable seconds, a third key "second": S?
{"hour": 10, "minute": 52}
